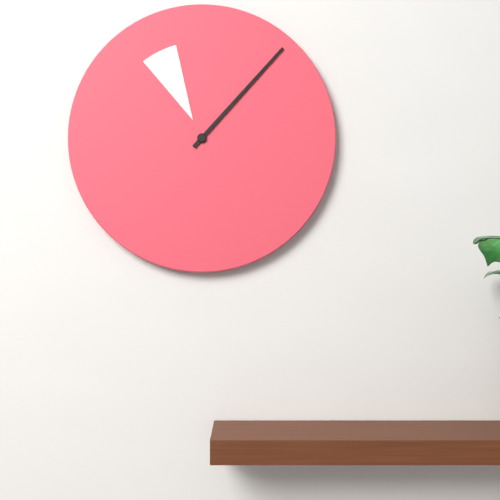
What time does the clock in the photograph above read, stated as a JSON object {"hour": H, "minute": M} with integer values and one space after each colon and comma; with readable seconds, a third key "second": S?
{"hour": 11, "minute": 7}
